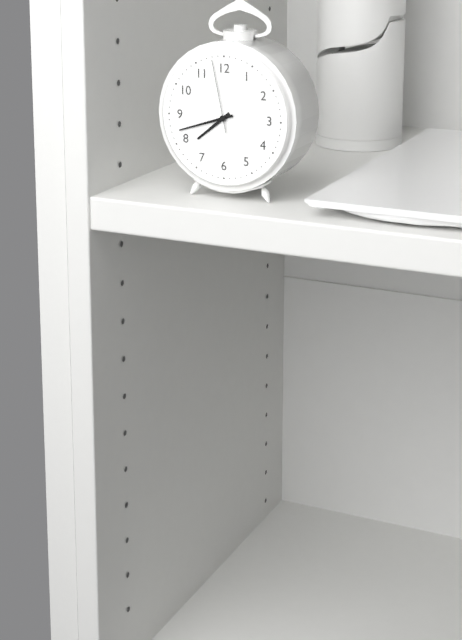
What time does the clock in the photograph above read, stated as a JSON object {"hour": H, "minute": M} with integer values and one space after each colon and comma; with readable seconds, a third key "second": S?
{"hour": 7, "minute": 42, "second": 58}
